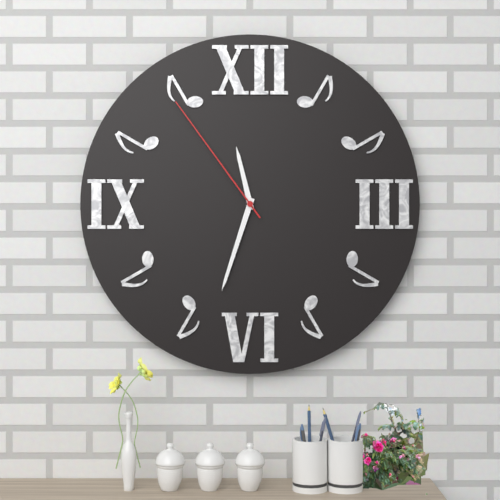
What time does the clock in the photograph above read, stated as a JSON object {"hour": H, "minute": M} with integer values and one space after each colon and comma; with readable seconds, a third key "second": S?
{"hour": 11, "minute": 33, "second": 54}
